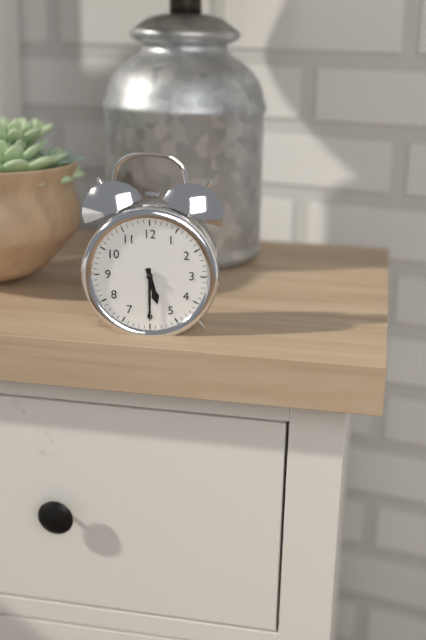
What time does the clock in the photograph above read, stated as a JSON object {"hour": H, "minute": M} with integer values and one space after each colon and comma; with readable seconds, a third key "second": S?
{"hour": 5, "minute": 30}
